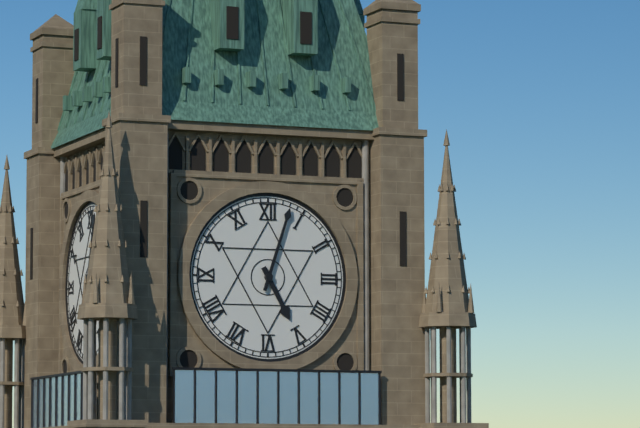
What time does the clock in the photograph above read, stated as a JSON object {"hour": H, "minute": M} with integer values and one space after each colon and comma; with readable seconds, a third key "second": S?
{"hour": 5, "minute": 3}
